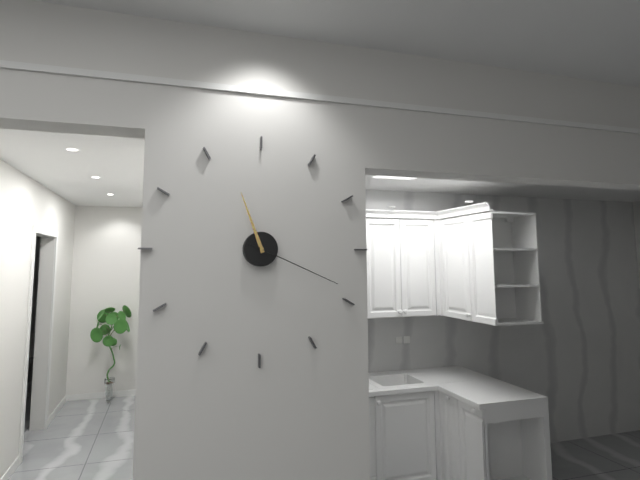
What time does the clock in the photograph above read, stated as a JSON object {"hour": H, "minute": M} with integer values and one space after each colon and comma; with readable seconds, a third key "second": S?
{"hour": 11, "minute": 19}
